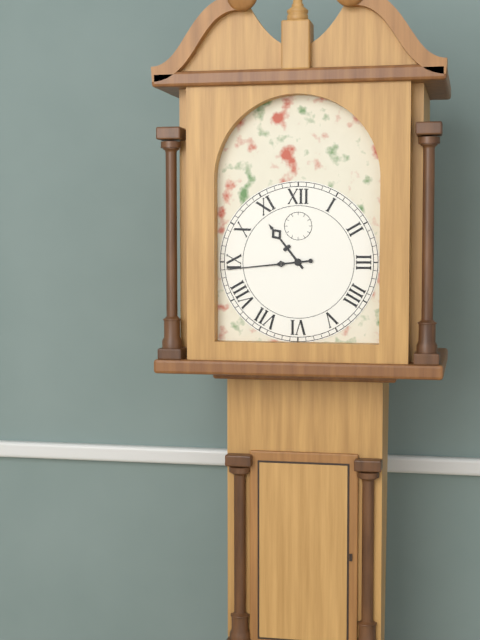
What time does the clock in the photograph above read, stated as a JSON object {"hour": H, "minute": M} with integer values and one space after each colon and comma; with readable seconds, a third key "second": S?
{"hour": 10, "minute": 44}
